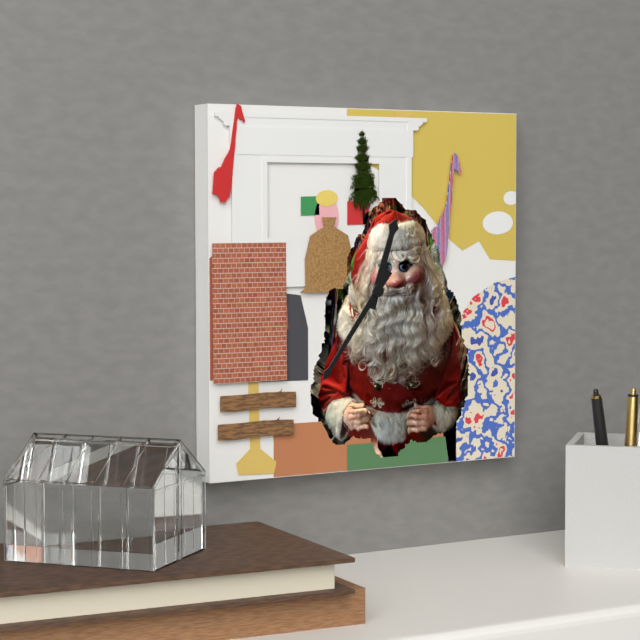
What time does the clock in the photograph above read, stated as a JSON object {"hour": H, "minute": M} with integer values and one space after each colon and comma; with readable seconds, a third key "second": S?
{"hour": 12, "minute": 36}
